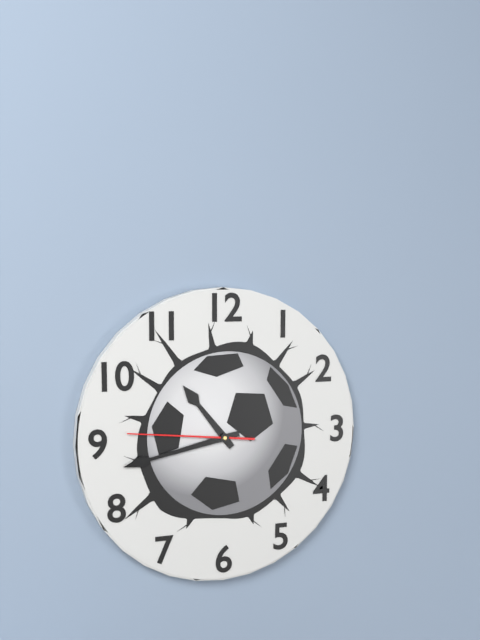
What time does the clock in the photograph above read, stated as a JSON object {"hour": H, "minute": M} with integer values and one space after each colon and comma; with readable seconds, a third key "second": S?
{"hour": 10, "minute": 43, "second": 46}
